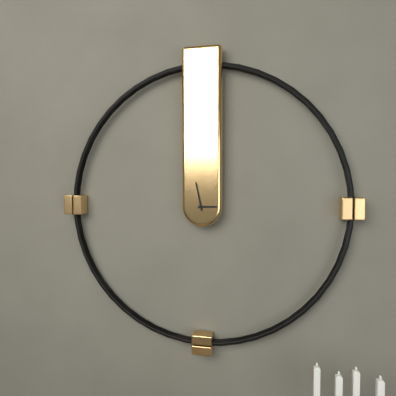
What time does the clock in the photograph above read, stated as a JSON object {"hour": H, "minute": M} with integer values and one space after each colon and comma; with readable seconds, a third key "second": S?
{"hour": 2, "minute": 58}
